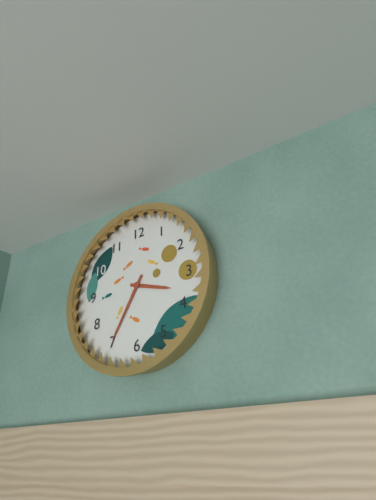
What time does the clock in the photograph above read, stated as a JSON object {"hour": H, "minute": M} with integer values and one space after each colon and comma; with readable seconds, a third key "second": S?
{"hour": 3, "minute": 35}
